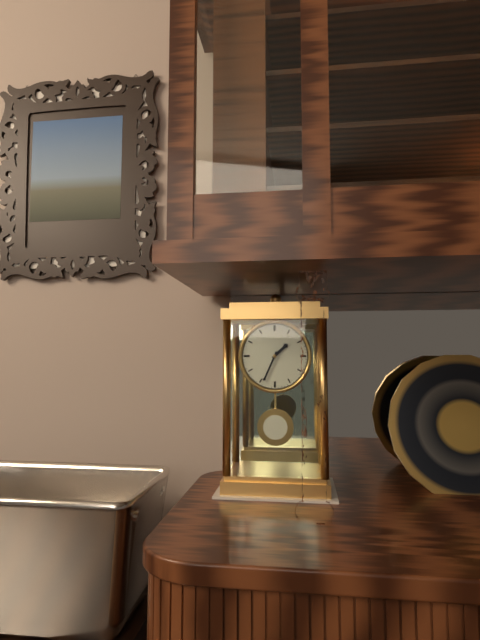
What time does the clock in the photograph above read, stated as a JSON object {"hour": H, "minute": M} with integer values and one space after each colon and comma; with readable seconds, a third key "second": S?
{"hour": 1, "minute": 34}
